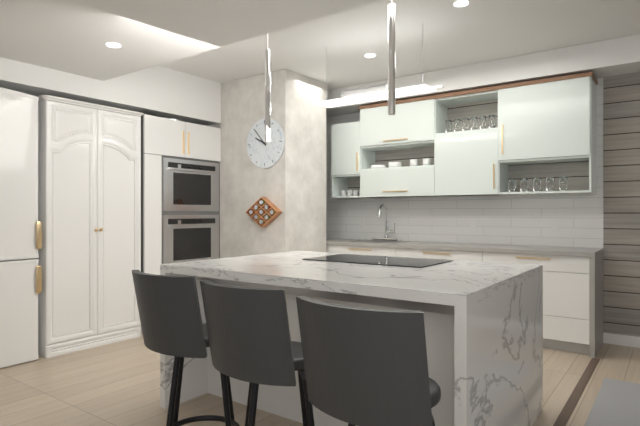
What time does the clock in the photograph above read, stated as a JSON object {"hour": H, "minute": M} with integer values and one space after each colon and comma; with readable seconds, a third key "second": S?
{"hour": 9, "minute": 53}
